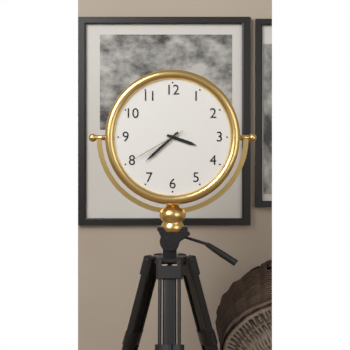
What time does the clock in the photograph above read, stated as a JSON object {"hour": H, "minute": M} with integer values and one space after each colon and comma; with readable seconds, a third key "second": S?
{"hour": 3, "minute": 38, "second": 40}
